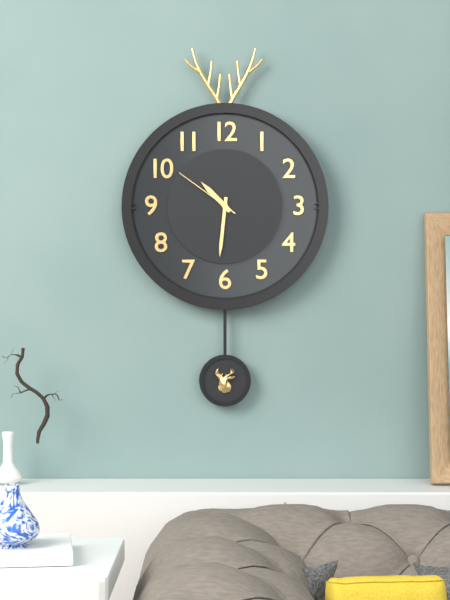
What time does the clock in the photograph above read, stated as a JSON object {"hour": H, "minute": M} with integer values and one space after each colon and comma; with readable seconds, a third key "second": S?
{"hour": 10, "minute": 31, "second": 51}
